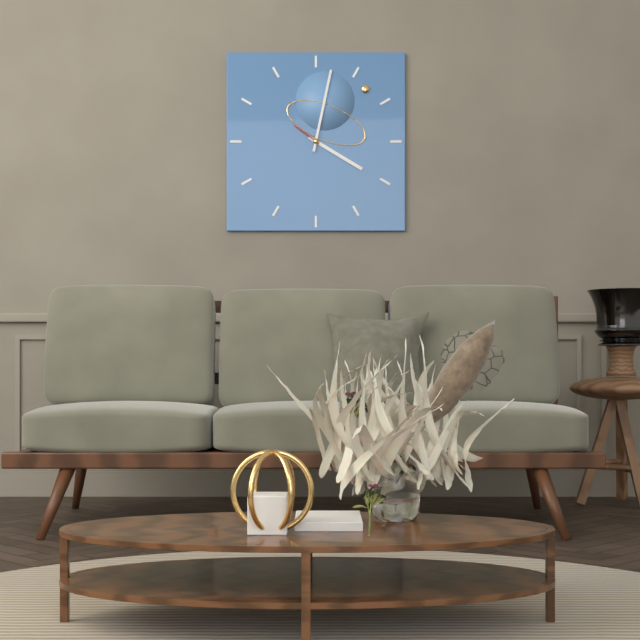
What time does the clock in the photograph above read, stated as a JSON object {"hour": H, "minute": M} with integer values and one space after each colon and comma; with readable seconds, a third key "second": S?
{"hour": 4, "minute": 2}
